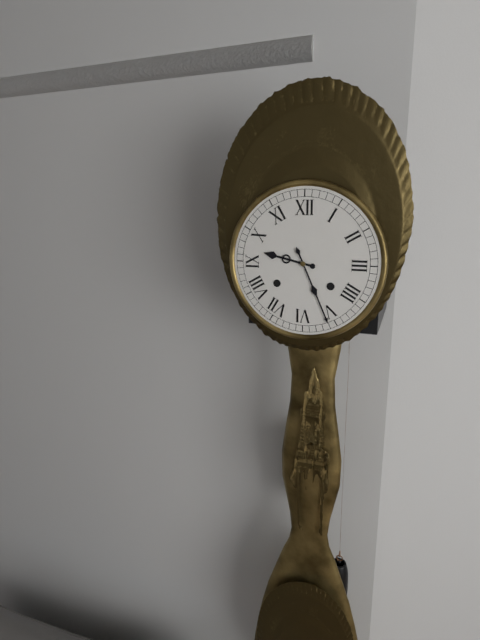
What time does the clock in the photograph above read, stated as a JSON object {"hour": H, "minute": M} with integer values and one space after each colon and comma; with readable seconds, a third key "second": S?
{"hour": 9, "minute": 26}
